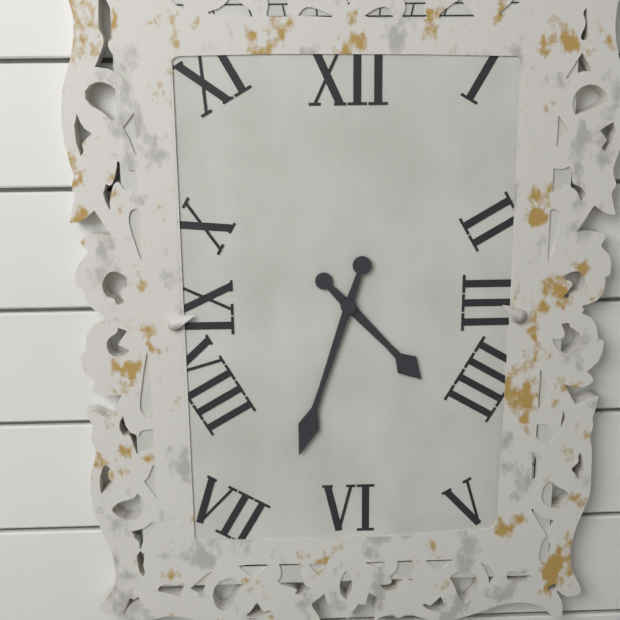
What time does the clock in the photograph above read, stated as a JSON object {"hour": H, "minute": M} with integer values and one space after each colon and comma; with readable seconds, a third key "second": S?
{"hour": 4, "minute": 33}
